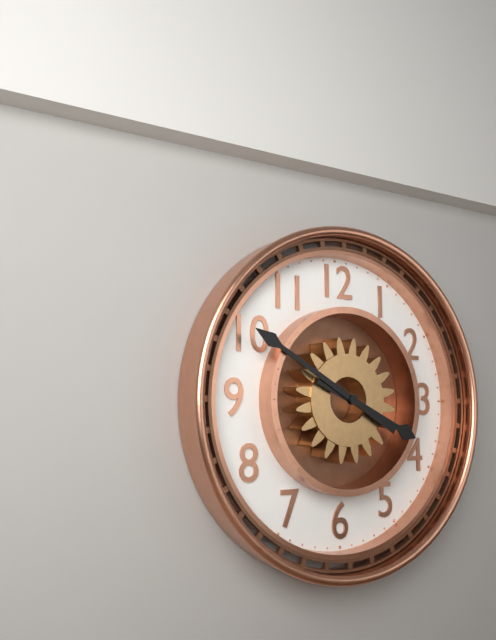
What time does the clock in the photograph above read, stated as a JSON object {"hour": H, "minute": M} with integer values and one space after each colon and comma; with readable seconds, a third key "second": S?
{"hour": 3, "minute": 50}
